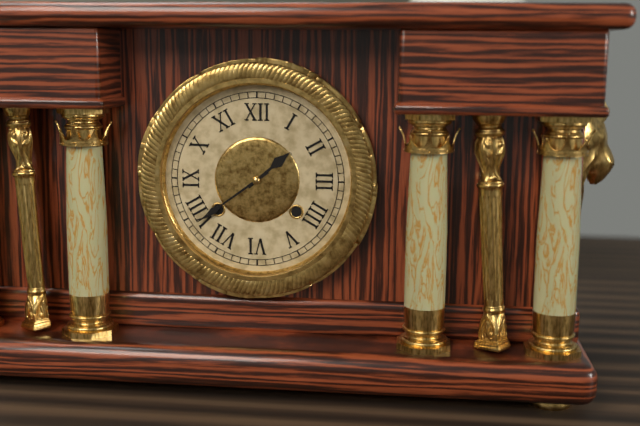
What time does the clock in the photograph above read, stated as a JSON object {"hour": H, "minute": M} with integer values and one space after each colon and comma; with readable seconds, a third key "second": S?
{"hour": 1, "minute": 39}
